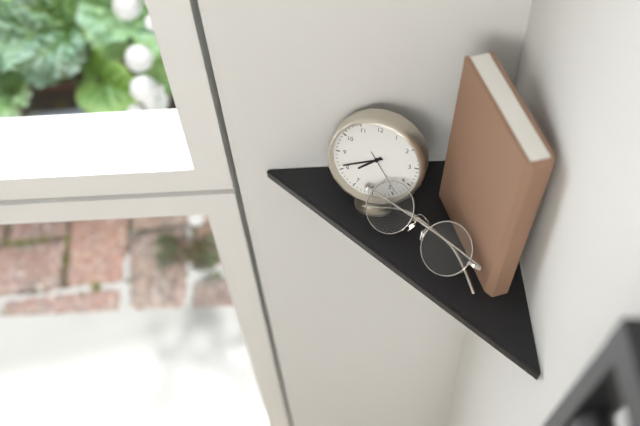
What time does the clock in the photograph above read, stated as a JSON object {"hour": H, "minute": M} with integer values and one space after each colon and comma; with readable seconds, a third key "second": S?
{"hour": 7, "minute": 41}
